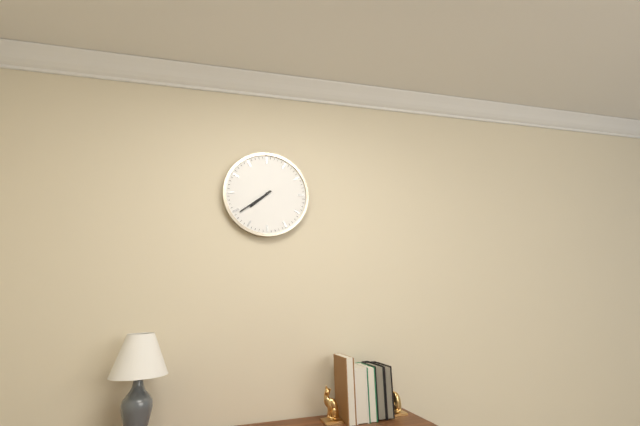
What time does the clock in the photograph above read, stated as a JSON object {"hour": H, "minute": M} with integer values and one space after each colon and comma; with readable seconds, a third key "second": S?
{"hour": 7, "minute": 39}
